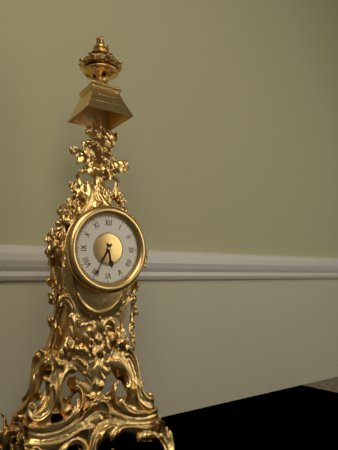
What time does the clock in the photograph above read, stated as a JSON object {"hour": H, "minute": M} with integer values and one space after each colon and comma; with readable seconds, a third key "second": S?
{"hour": 5, "minute": 35}
